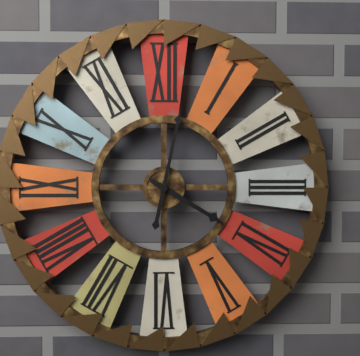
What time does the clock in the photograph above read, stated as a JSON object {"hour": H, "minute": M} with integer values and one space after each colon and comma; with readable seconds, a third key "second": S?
{"hour": 4, "minute": 2}
